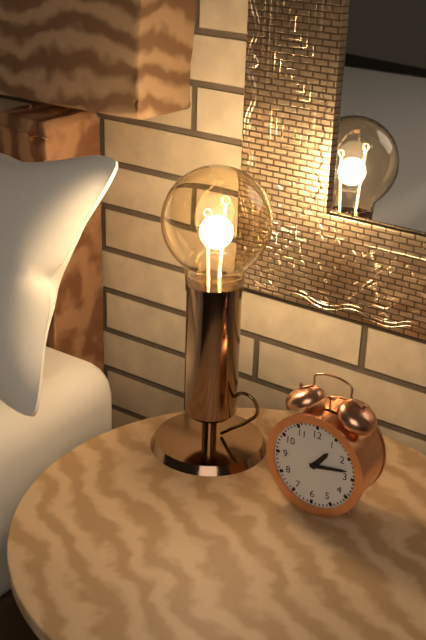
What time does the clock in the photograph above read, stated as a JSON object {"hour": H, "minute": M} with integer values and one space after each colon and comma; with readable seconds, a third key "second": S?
{"hour": 1, "minute": 13}
